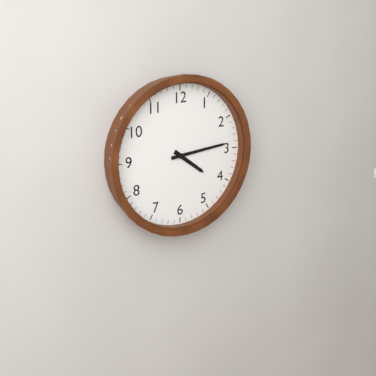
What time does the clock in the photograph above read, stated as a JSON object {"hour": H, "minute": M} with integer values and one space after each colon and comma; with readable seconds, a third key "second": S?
{"hour": 4, "minute": 14}
